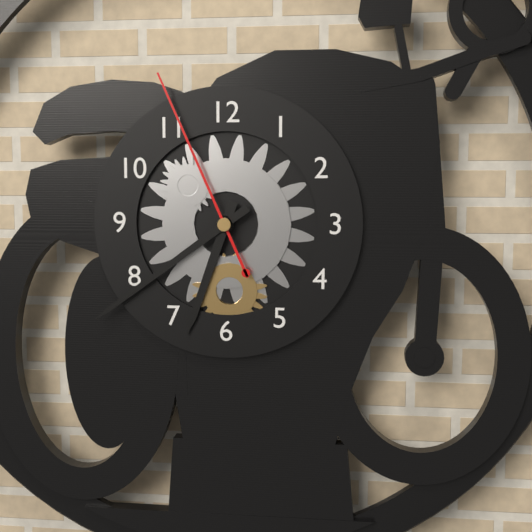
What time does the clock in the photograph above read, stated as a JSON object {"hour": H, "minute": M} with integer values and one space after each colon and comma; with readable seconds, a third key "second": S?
{"hour": 6, "minute": 39, "second": 56}
